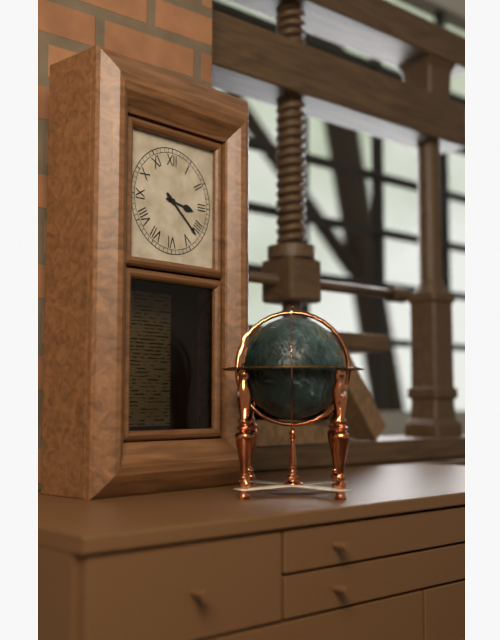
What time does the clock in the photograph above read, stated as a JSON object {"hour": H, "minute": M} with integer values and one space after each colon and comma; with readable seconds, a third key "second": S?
{"hour": 3, "minute": 22}
